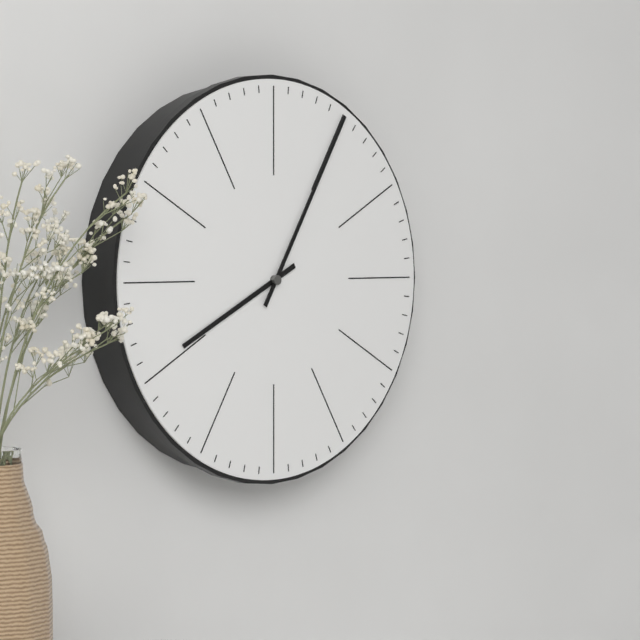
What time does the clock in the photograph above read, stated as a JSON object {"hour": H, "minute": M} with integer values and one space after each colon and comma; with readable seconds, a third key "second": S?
{"hour": 8, "minute": 5}
